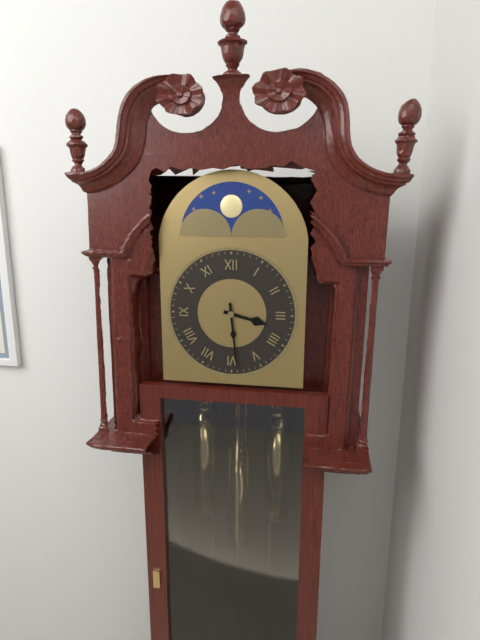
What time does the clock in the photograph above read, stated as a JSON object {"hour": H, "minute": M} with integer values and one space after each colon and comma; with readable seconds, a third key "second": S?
{"hour": 3, "minute": 29}
